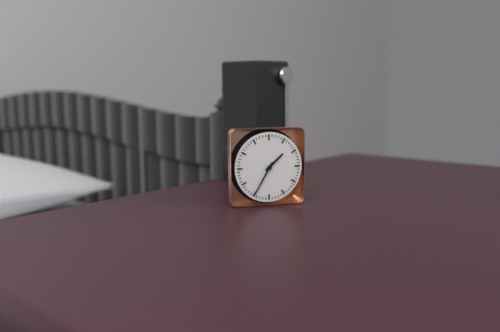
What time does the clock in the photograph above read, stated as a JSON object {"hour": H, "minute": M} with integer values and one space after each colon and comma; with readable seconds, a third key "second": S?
{"hour": 1, "minute": 35}
